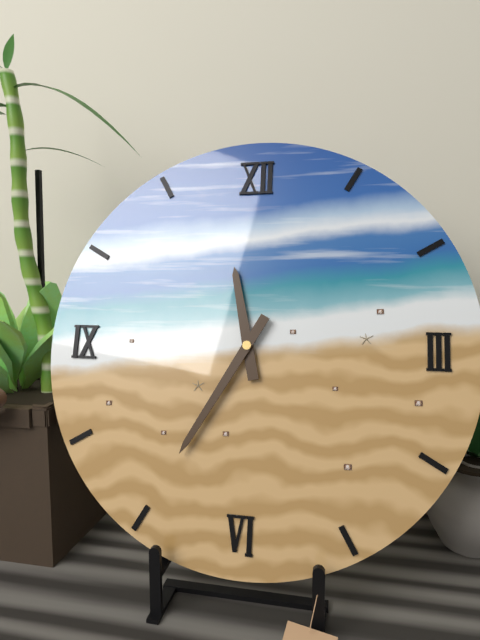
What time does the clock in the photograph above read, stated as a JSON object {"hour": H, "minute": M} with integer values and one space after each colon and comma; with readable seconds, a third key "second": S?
{"hour": 11, "minute": 35}
